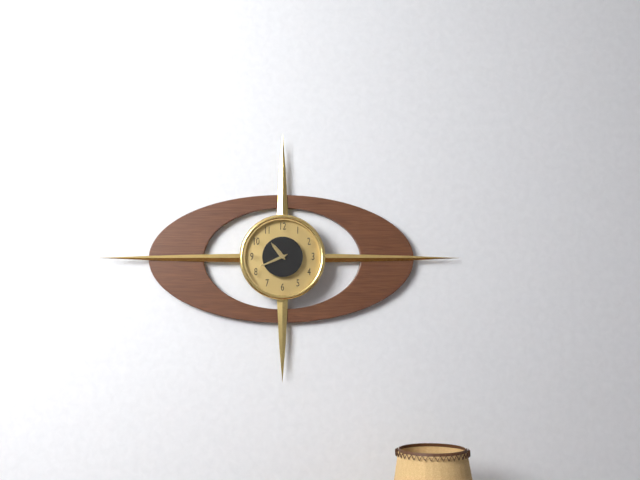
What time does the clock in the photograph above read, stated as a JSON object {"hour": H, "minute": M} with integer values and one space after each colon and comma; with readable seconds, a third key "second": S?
{"hour": 10, "minute": 41}
